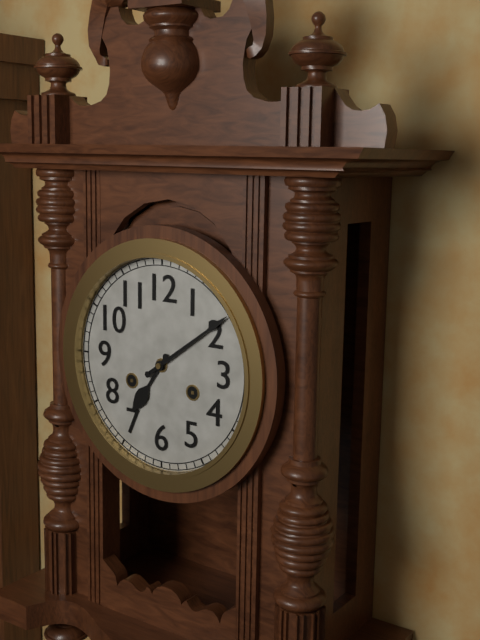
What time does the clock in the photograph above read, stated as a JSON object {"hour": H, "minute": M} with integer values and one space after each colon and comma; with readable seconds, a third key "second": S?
{"hour": 7, "minute": 9}
